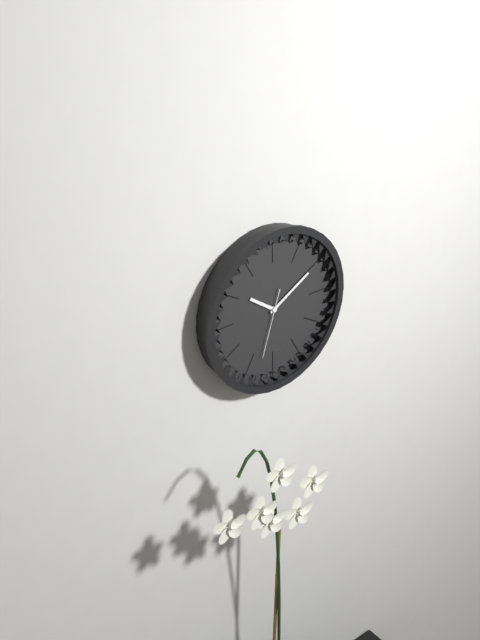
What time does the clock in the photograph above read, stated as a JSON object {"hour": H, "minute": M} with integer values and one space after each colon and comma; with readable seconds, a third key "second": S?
{"hour": 10, "minute": 10, "second": 33}
